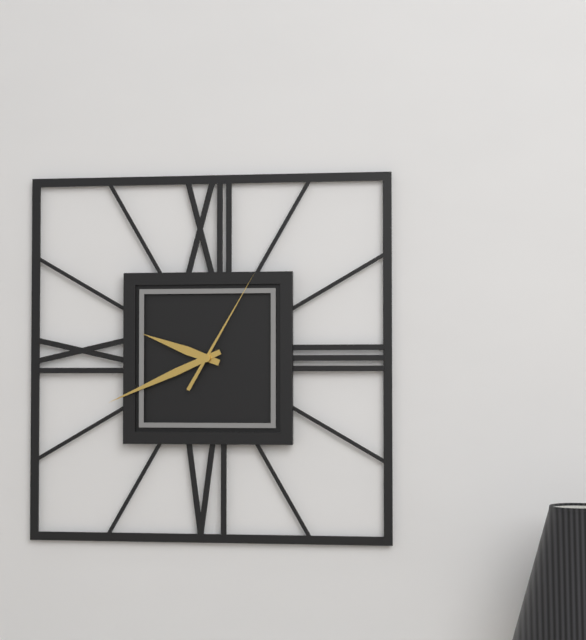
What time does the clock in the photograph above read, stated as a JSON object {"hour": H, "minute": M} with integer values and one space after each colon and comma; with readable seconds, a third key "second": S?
{"hour": 9, "minute": 41, "second": 5}
